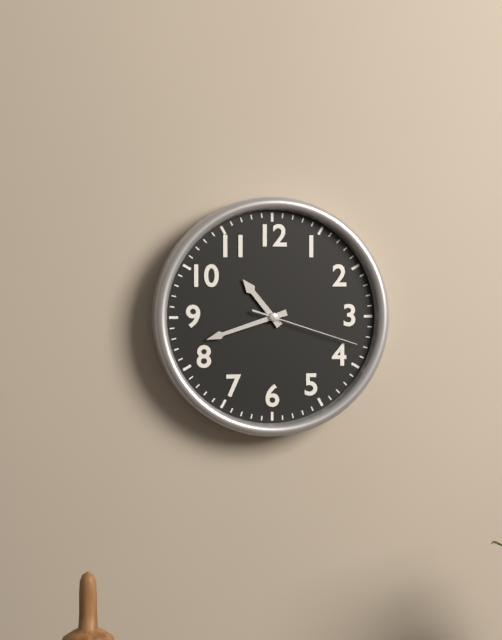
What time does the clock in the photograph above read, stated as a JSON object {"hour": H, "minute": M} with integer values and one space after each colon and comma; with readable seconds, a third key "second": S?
{"hour": 10, "minute": 42, "second": 18}
